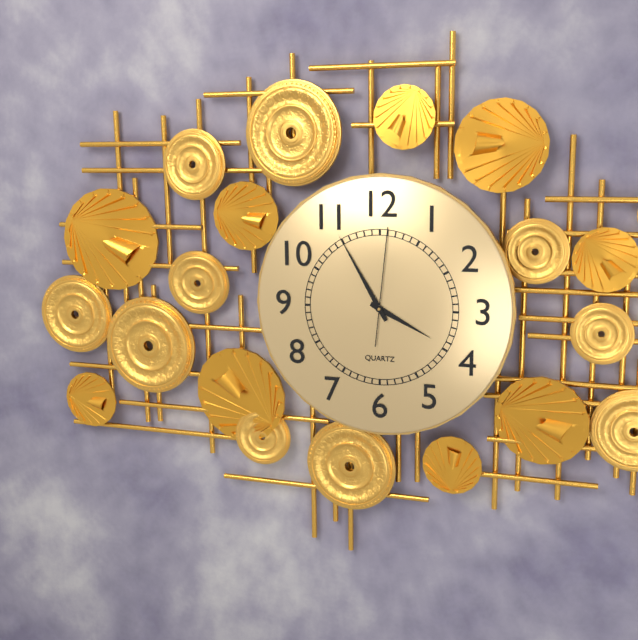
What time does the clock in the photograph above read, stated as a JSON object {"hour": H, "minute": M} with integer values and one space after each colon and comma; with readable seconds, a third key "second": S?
{"hour": 3, "minute": 55, "second": 1}
